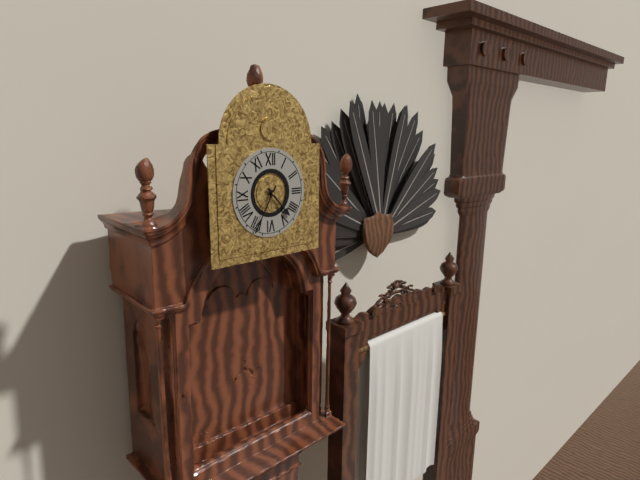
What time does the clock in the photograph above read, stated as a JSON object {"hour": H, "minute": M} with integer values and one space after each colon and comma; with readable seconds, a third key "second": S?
{"hour": 4, "minute": 35}
